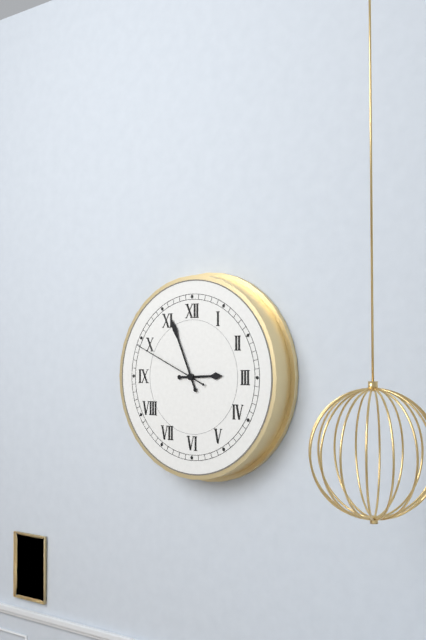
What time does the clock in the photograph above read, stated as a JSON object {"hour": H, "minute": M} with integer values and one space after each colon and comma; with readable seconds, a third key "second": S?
{"hour": 2, "minute": 56, "second": 49}
